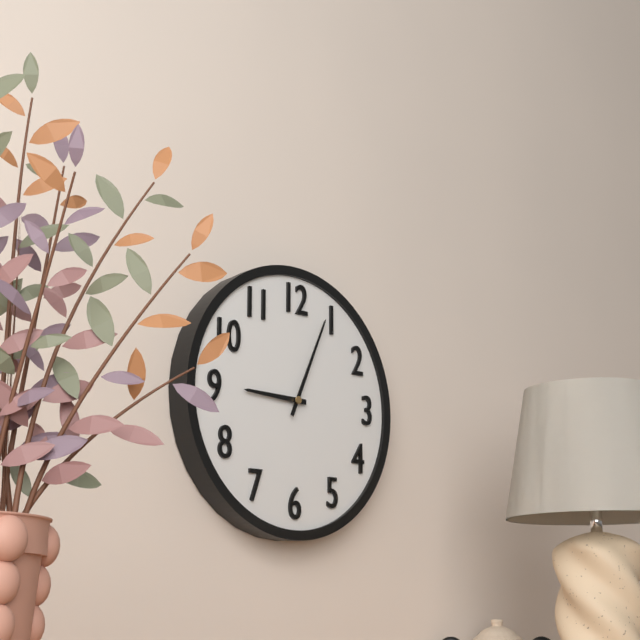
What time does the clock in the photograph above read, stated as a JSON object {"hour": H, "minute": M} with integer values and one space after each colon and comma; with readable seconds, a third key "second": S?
{"hour": 9, "minute": 4}
